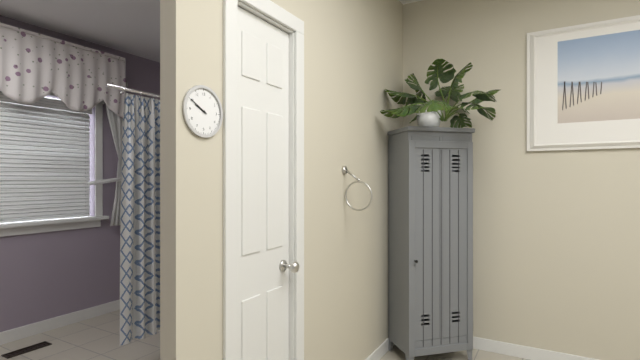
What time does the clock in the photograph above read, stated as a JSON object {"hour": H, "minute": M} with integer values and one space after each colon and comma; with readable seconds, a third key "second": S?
{"hour": 9, "minute": 50}
